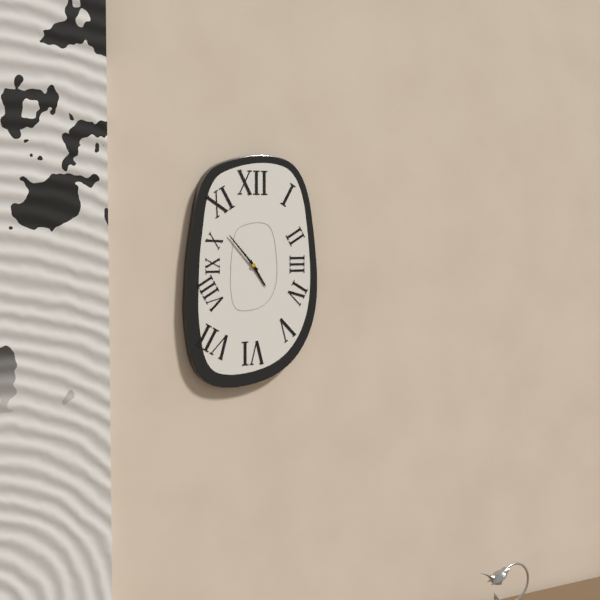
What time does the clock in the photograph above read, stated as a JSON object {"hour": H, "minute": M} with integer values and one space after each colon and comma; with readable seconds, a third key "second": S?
{"hour": 4, "minute": 53}
